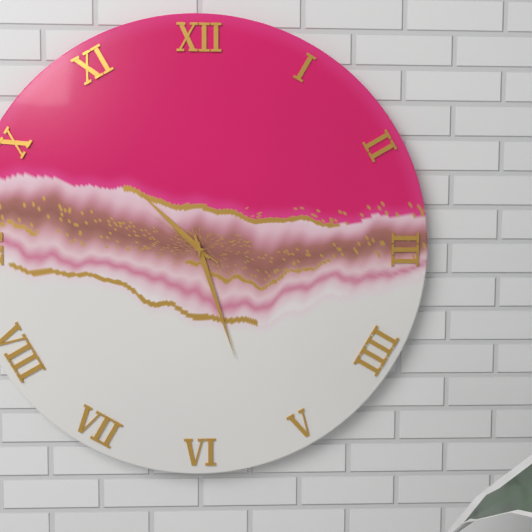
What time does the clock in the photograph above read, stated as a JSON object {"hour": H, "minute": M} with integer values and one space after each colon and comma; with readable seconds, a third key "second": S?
{"hour": 10, "minute": 27, "second": 51}
